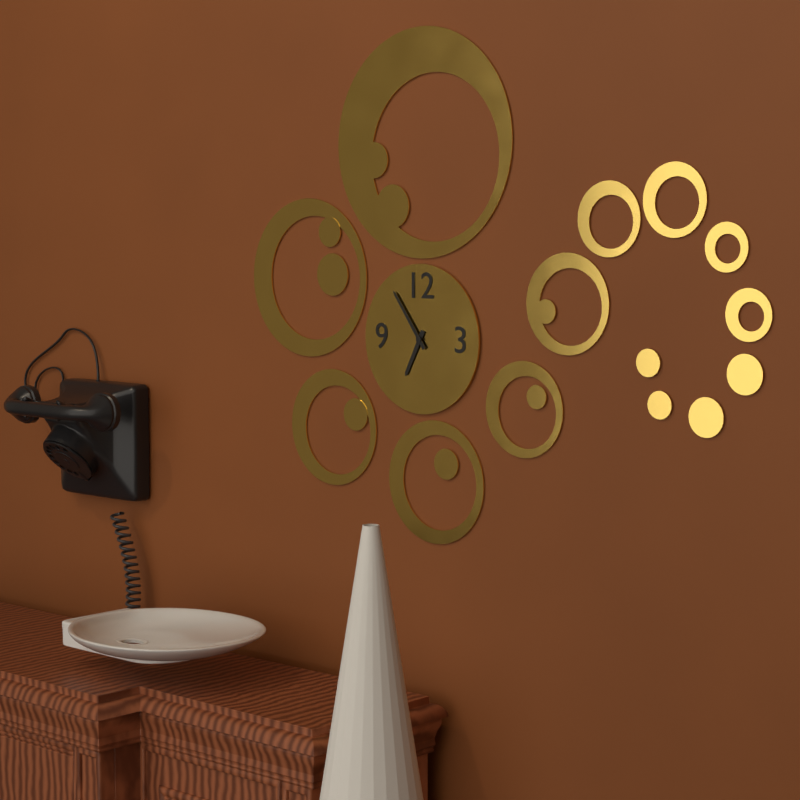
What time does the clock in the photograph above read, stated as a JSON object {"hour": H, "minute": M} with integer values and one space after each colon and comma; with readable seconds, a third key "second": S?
{"hour": 6, "minute": 54}
